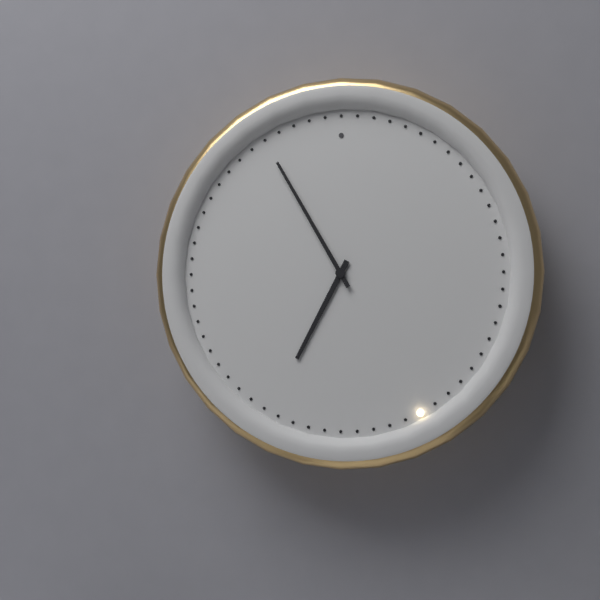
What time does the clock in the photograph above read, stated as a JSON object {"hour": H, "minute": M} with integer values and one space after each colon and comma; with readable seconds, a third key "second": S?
{"hour": 6, "minute": 55}
